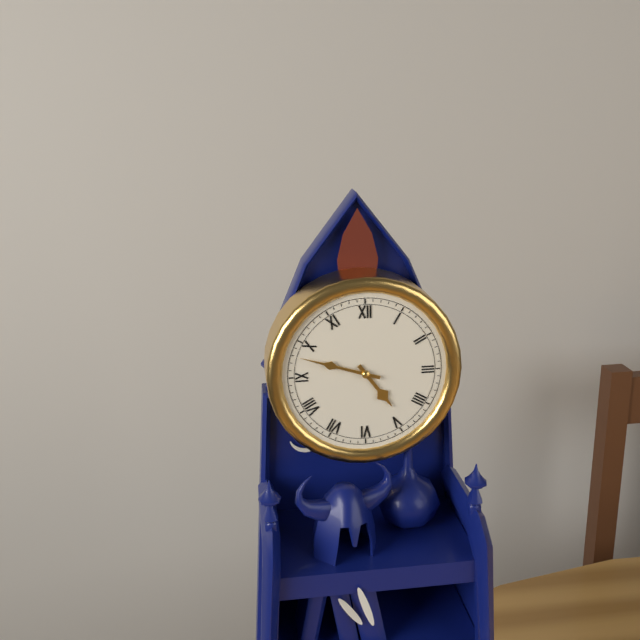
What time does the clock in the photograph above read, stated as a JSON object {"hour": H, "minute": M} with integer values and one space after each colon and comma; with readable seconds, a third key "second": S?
{"hour": 4, "minute": 48}
